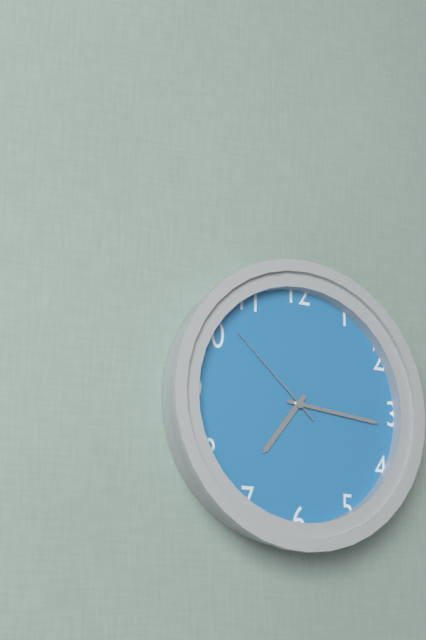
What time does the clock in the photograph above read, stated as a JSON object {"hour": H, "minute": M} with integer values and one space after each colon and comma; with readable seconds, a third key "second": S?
{"hour": 7, "minute": 16, "second": 52}
